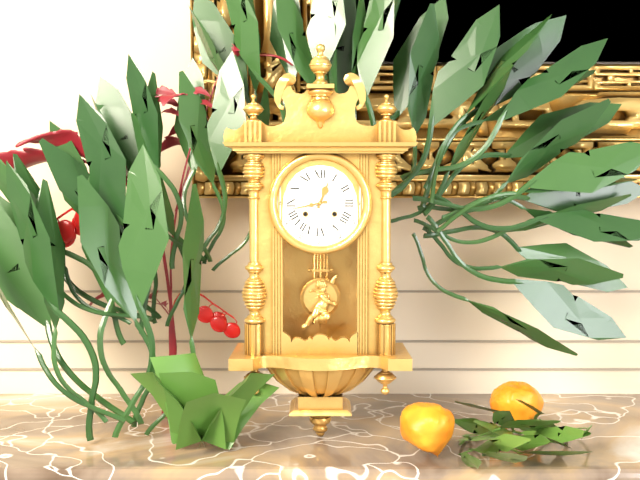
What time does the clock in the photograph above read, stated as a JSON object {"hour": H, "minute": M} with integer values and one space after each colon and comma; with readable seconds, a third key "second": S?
{"hour": 12, "minute": 43}
